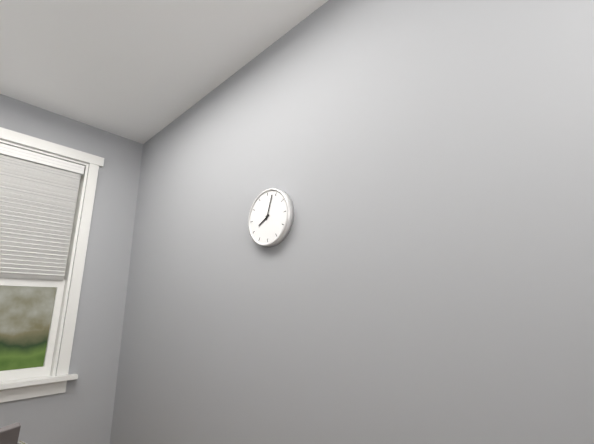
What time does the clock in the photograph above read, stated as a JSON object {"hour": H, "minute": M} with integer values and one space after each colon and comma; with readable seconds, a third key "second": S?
{"hour": 8, "minute": 3}
